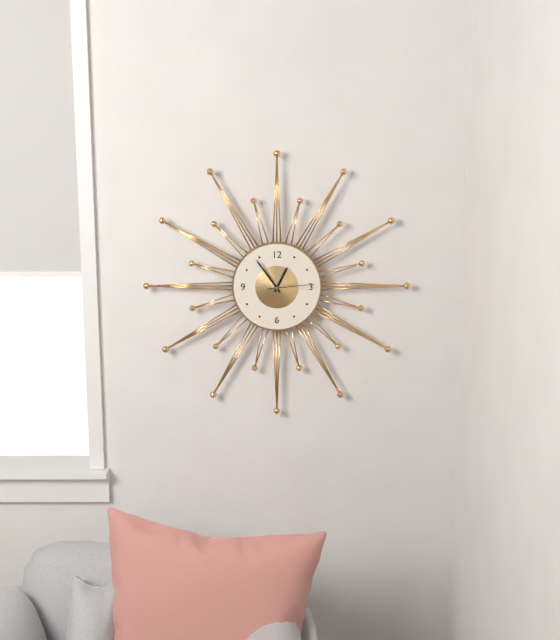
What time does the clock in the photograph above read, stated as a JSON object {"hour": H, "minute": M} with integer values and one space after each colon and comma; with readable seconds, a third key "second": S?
{"hour": 12, "minute": 54}
